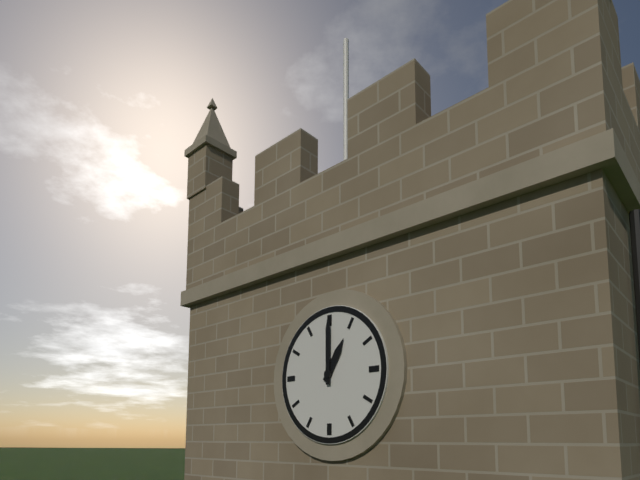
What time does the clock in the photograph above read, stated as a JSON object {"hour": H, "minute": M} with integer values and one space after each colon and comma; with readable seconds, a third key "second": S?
{"hour": 1, "minute": 0}
